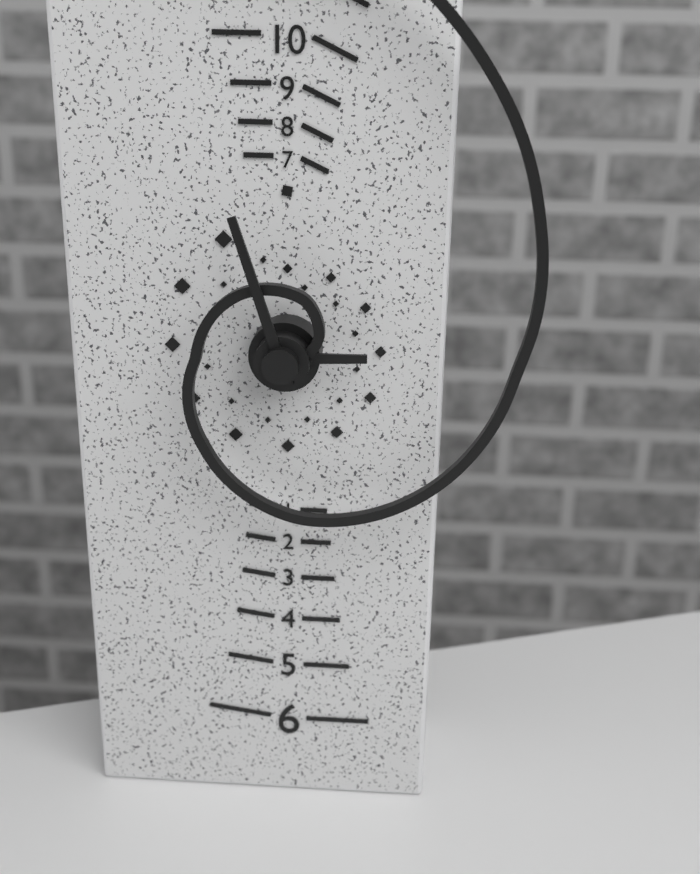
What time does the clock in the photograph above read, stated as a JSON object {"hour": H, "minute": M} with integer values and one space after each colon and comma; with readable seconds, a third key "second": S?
{"hour": 2, "minute": 57}
